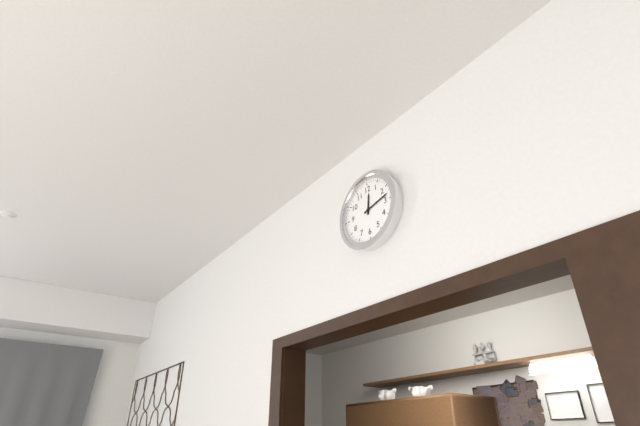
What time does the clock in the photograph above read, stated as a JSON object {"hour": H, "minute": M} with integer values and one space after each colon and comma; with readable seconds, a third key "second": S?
{"hour": 12, "minute": 13}
